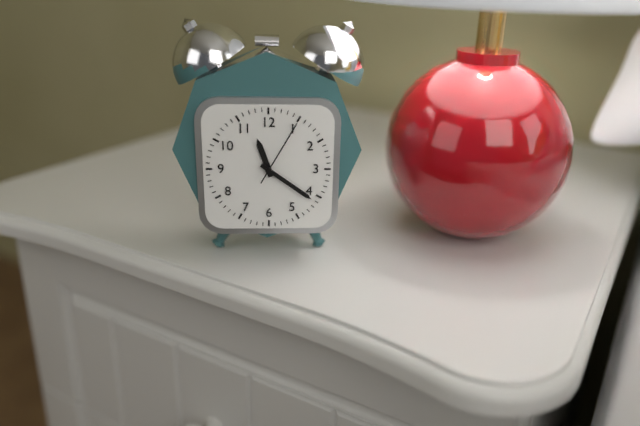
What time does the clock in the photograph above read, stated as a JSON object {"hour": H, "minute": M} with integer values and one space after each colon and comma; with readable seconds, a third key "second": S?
{"hour": 11, "minute": 21, "second": 5}
